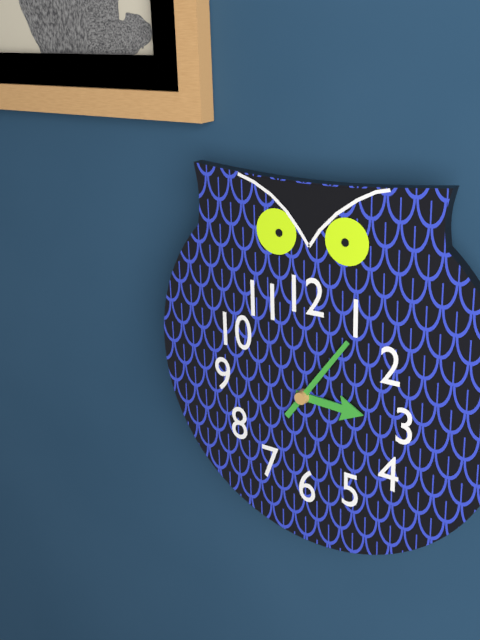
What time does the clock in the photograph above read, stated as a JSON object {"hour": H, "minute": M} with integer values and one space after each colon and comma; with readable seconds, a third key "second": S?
{"hour": 3, "minute": 6}
